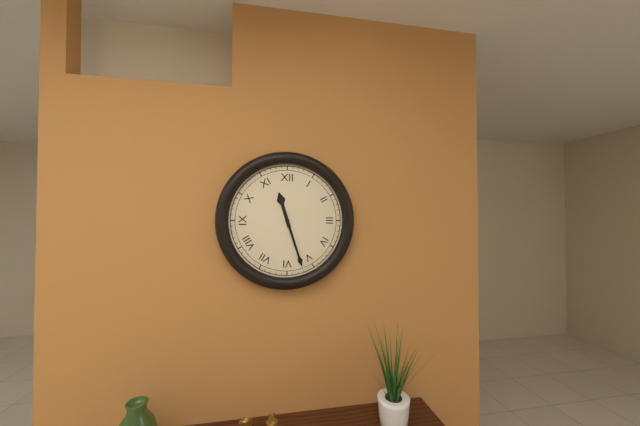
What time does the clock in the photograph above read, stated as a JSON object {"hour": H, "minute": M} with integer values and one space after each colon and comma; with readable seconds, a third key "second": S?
{"hour": 11, "minute": 27}
